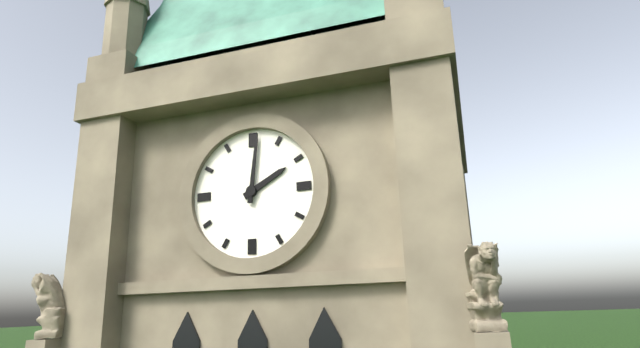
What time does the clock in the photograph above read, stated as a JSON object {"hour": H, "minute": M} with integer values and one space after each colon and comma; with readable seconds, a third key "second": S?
{"hour": 2, "minute": 1}
